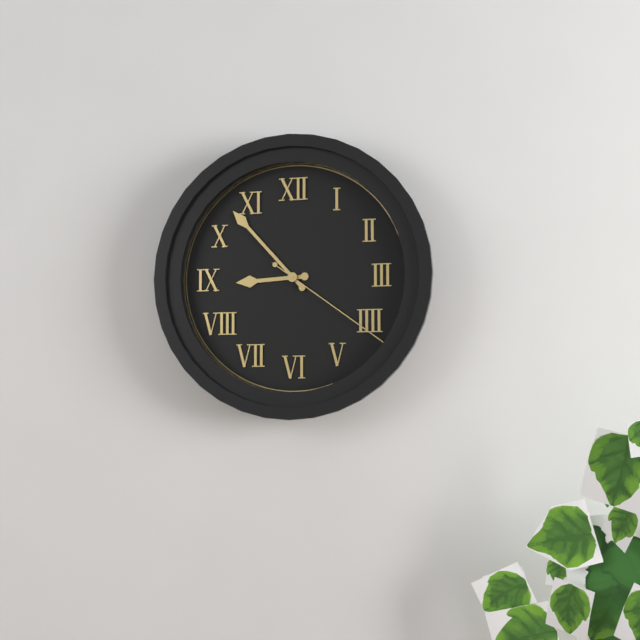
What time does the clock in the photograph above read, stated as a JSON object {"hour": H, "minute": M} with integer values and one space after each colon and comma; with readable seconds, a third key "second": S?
{"hour": 8, "minute": 53, "second": 21}
